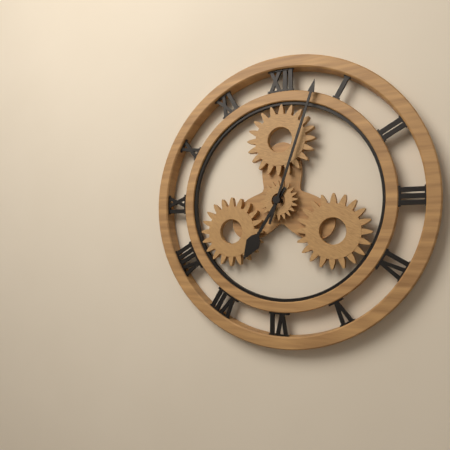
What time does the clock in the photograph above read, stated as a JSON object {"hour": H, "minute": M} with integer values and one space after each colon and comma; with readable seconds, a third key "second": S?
{"hour": 7, "minute": 3}
